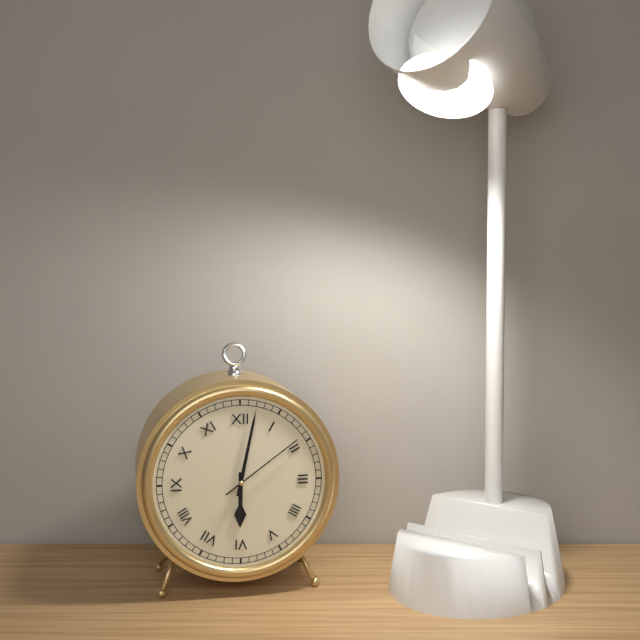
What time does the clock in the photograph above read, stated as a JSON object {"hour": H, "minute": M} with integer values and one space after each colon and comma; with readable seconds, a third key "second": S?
{"hour": 6, "minute": 2, "second": 9}
